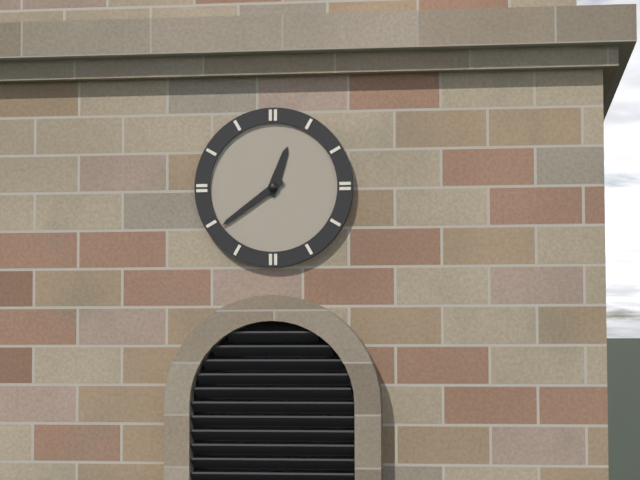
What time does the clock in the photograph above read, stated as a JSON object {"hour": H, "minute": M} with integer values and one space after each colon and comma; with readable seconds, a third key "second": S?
{"hour": 12, "minute": 39}
